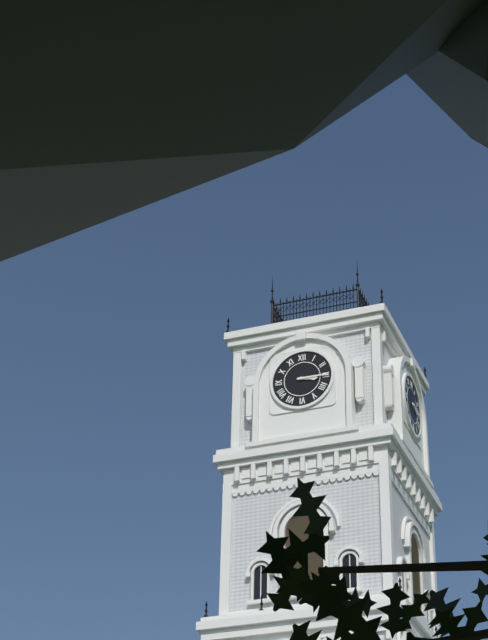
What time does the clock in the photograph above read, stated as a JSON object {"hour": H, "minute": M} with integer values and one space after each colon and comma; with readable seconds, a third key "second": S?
{"hour": 3, "minute": 15}
